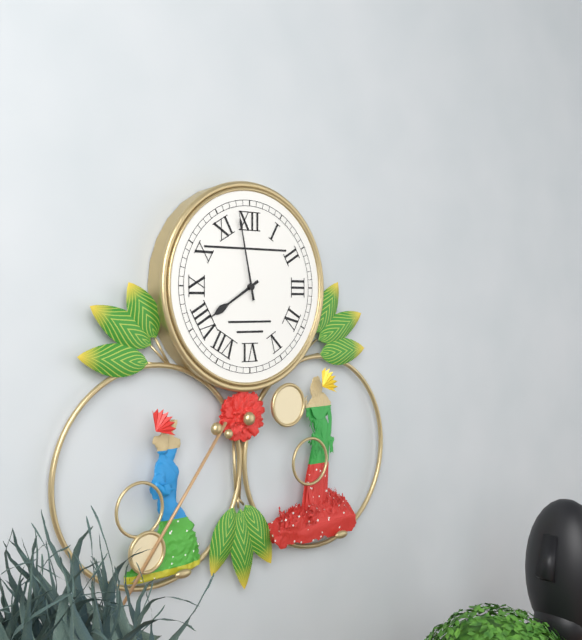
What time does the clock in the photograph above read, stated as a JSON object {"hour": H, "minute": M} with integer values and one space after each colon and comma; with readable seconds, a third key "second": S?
{"hour": 7, "minute": 58}
